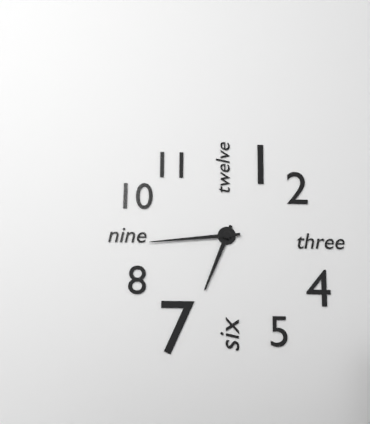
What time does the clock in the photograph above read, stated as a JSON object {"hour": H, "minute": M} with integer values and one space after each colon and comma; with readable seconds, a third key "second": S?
{"hour": 6, "minute": 44}
